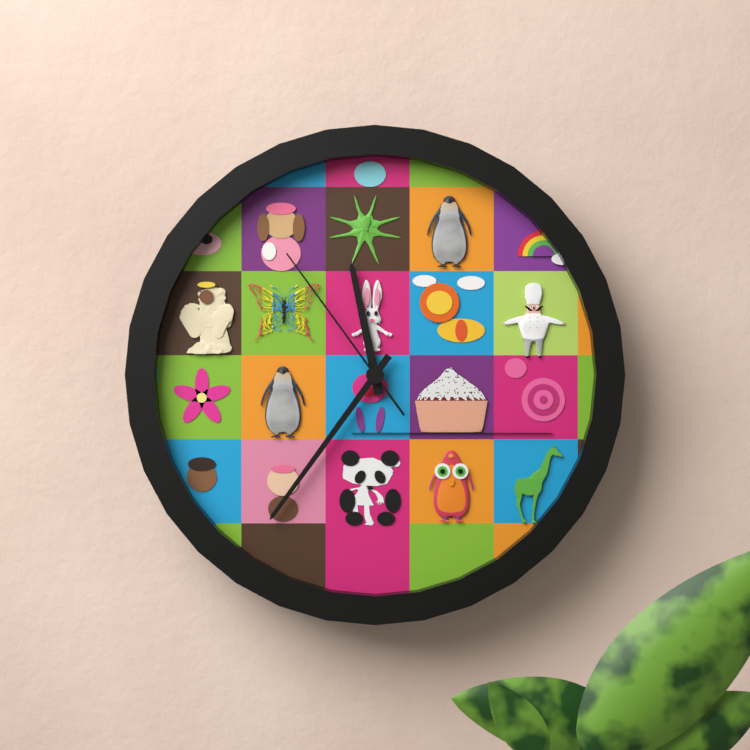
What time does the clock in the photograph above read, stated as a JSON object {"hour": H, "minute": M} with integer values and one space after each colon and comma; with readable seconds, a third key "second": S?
{"hour": 11, "minute": 36, "second": 54}
